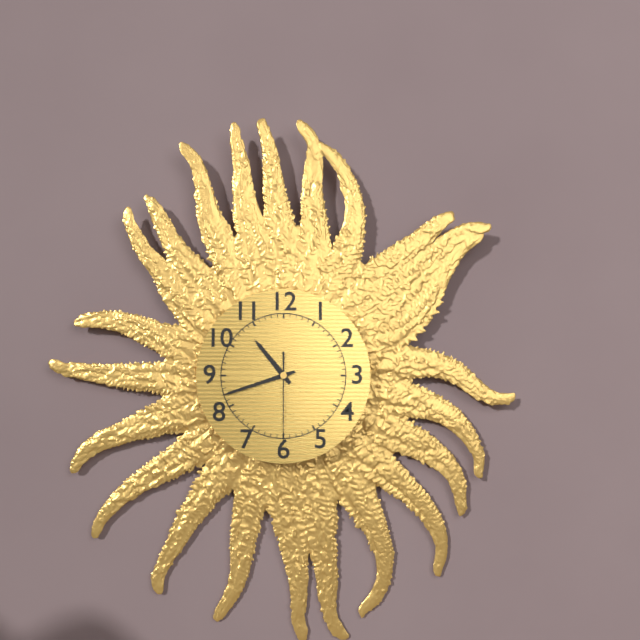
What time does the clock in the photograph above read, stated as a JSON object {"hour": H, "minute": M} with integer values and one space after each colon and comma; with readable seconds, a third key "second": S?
{"hour": 10, "minute": 42, "second": 30}
